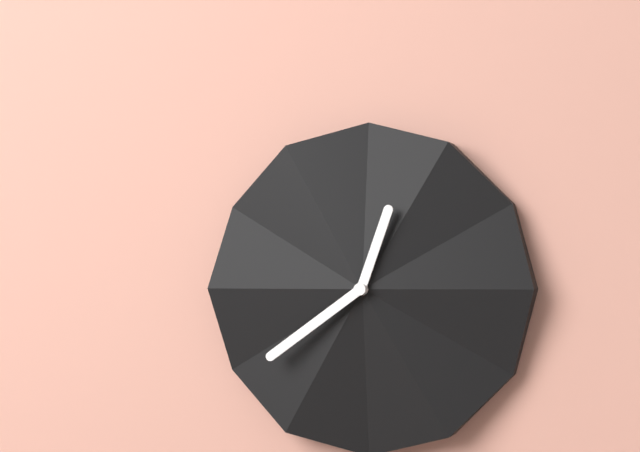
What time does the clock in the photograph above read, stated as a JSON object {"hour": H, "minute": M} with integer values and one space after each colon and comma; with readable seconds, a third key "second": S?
{"hour": 12, "minute": 39}
